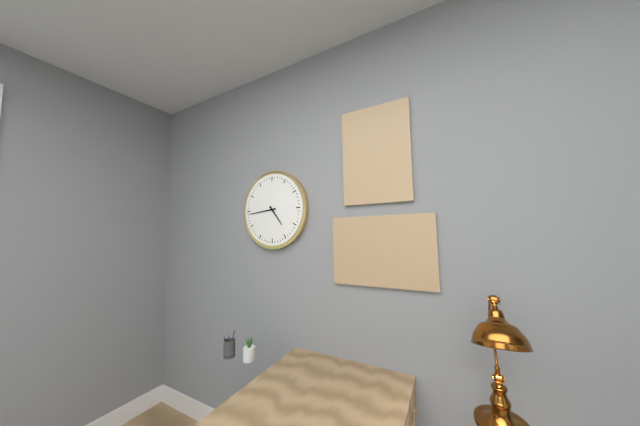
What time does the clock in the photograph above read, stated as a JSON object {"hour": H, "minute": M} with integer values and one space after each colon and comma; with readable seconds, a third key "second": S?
{"hour": 4, "minute": 44}
